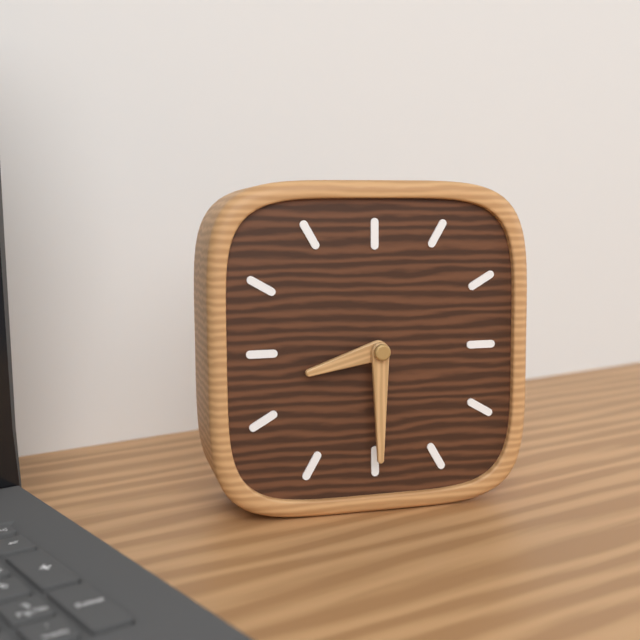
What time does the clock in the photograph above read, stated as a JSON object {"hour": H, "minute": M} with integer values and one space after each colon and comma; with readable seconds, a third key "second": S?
{"hour": 8, "minute": 30}
